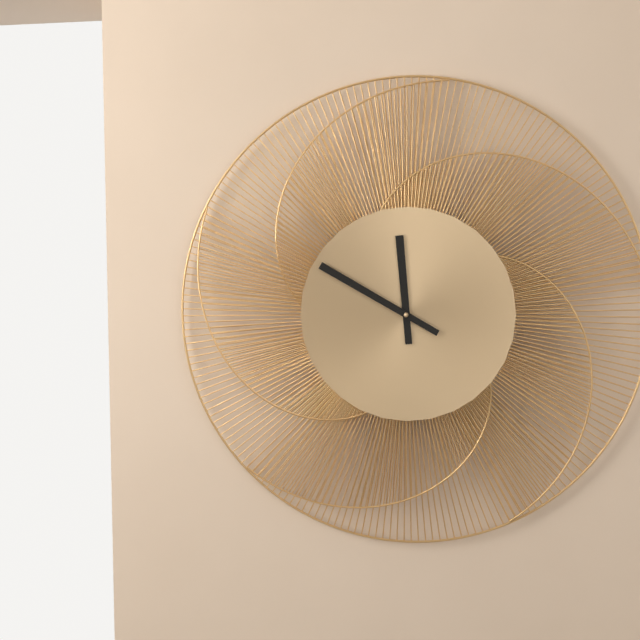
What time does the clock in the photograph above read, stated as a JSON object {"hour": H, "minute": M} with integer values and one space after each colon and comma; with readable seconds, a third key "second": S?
{"hour": 11, "minute": 50}
